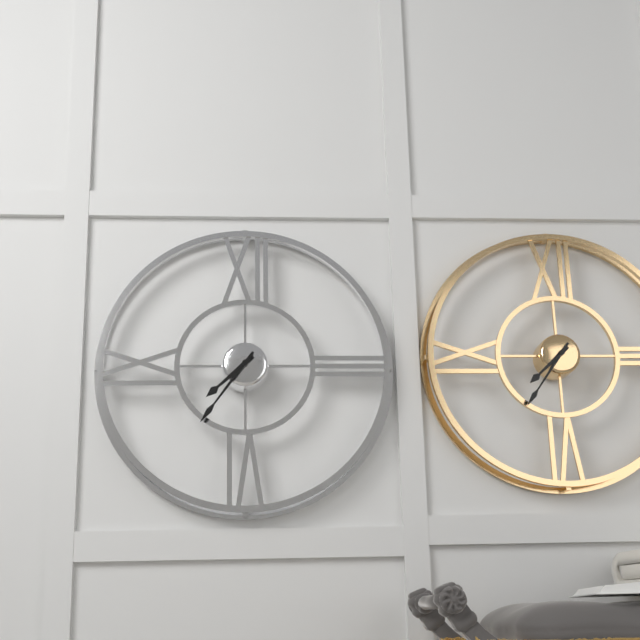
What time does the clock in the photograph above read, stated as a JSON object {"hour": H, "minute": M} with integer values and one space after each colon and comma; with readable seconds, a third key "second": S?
{"hour": 7, "minute": 36}
